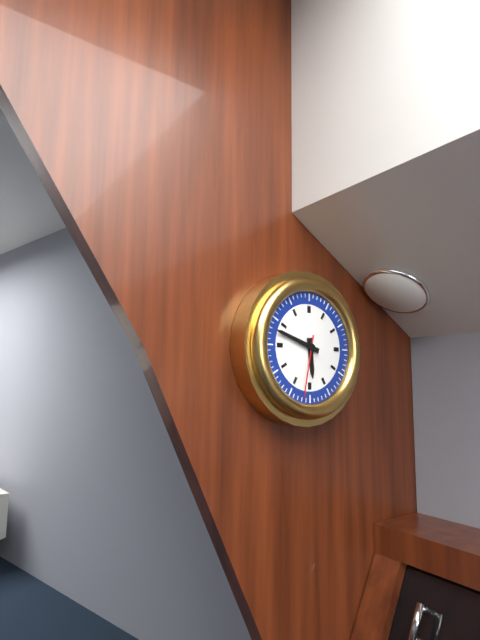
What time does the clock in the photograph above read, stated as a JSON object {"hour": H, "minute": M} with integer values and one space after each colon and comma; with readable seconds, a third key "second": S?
{"hour": 5, "minute": 48, "second": 32}
